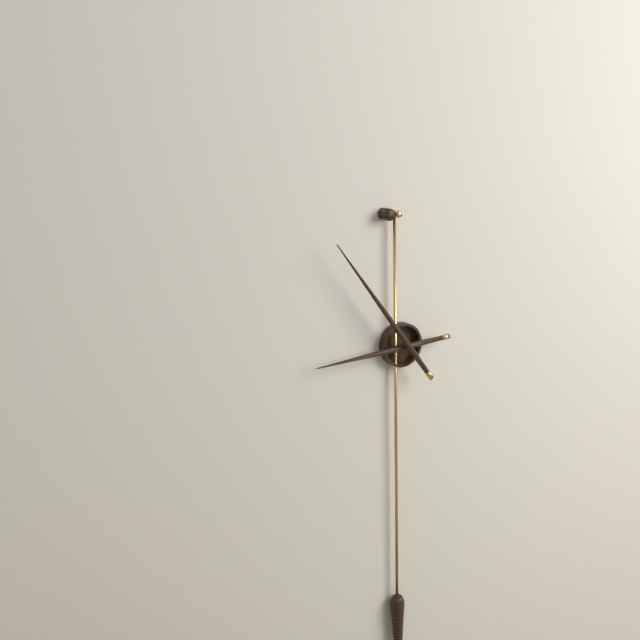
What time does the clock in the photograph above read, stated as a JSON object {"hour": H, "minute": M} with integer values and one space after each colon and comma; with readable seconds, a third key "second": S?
{"hour": 8, "minute": 54}
